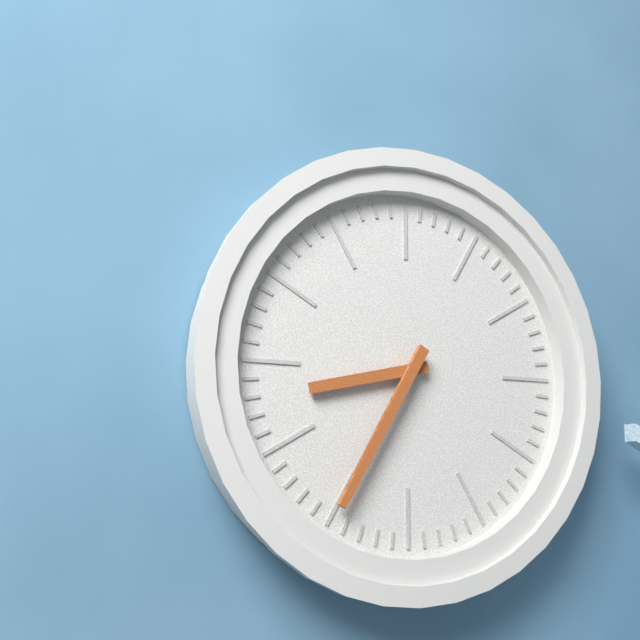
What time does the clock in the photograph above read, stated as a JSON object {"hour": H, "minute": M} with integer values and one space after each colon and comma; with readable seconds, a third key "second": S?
{"hour": 8, "minute": 35}
